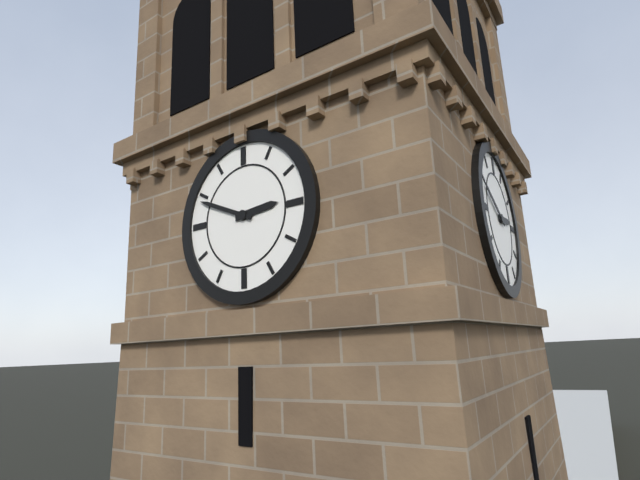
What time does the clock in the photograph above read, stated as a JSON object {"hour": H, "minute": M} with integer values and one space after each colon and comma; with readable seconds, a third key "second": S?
{"hour": 2, "minute": 49}
